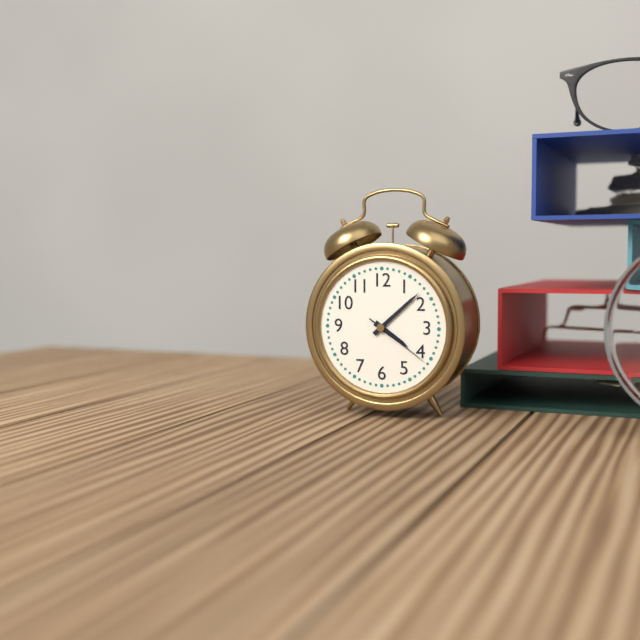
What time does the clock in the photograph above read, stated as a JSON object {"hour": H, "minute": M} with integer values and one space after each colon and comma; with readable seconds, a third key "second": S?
{"hour": 4, "minute": 8, "second": 21}
